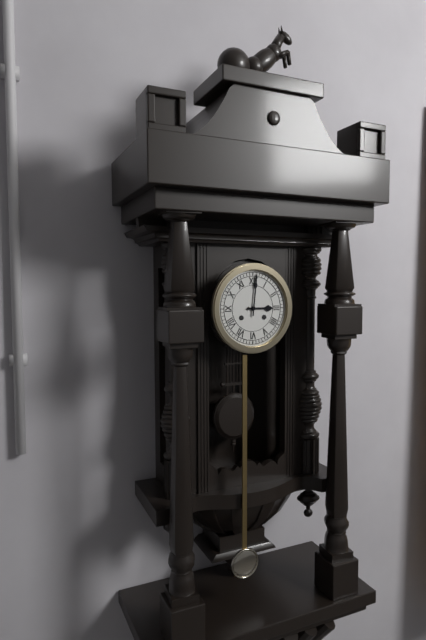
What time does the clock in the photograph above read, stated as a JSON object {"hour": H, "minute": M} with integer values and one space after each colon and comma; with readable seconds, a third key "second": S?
{"hour": 3, "minute": 1}
